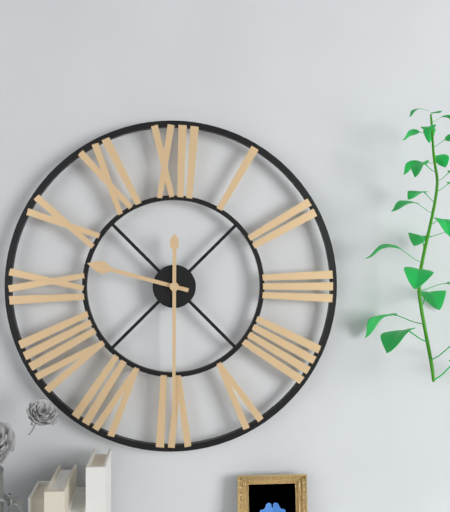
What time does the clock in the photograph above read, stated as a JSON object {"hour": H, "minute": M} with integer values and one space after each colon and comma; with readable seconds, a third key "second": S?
{"hour": 9, "minute": 30}
